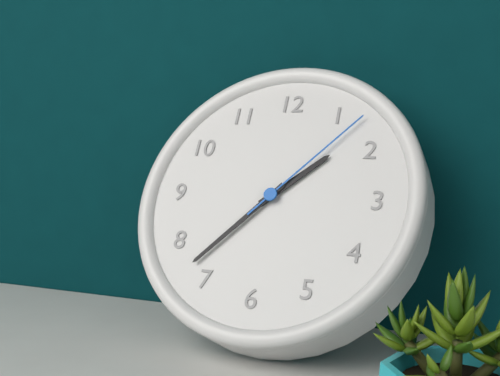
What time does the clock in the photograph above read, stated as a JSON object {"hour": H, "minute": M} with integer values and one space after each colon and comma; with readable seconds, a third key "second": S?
{"hour": 1, "minute": 37, "second": 7}
